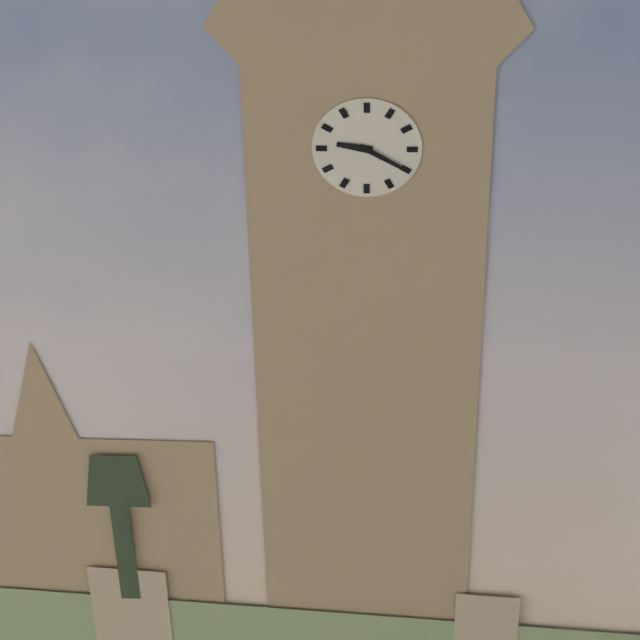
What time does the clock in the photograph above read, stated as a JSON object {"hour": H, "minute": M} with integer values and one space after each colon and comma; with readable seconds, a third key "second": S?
{"hour": 9, "minute": 20}
